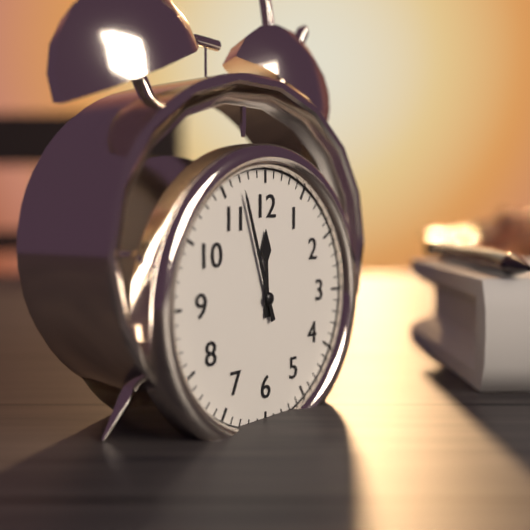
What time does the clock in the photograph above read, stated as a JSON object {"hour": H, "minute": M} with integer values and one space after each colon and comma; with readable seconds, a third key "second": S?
{"hour": 11, "minute": 57}
